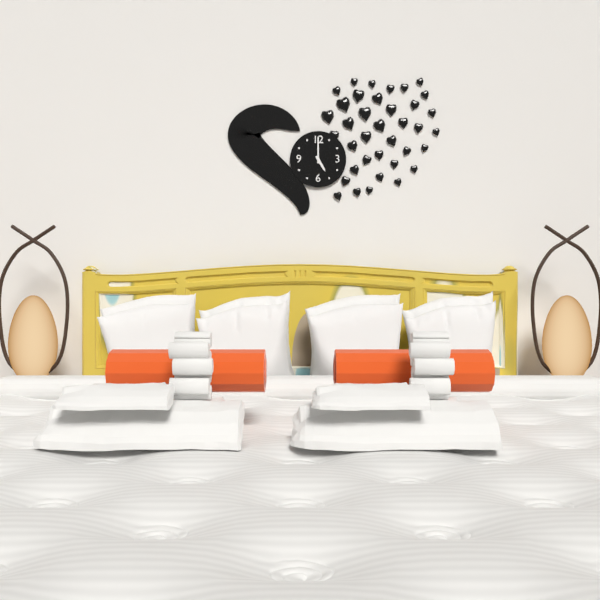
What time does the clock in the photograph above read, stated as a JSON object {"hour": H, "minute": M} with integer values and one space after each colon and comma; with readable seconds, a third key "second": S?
{"hour": 5, "minute": 0}
